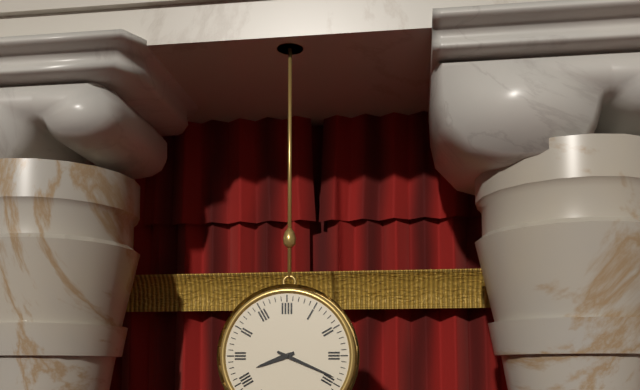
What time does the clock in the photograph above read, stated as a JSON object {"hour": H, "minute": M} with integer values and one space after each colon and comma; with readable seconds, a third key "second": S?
{"hour": 8, "minute": 19}
